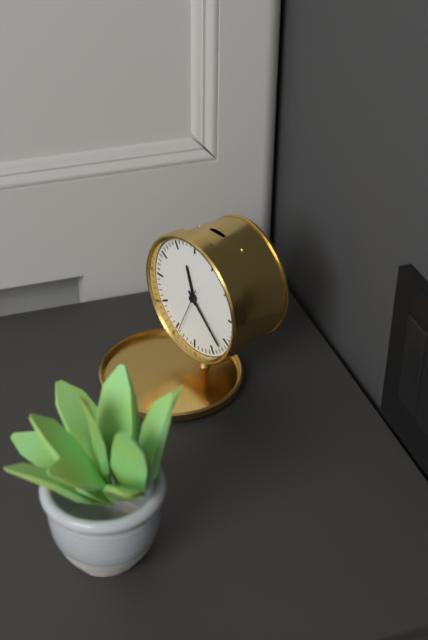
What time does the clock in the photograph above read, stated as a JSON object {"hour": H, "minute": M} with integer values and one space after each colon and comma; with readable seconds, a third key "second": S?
{"hour": 11, "minute": 22}
